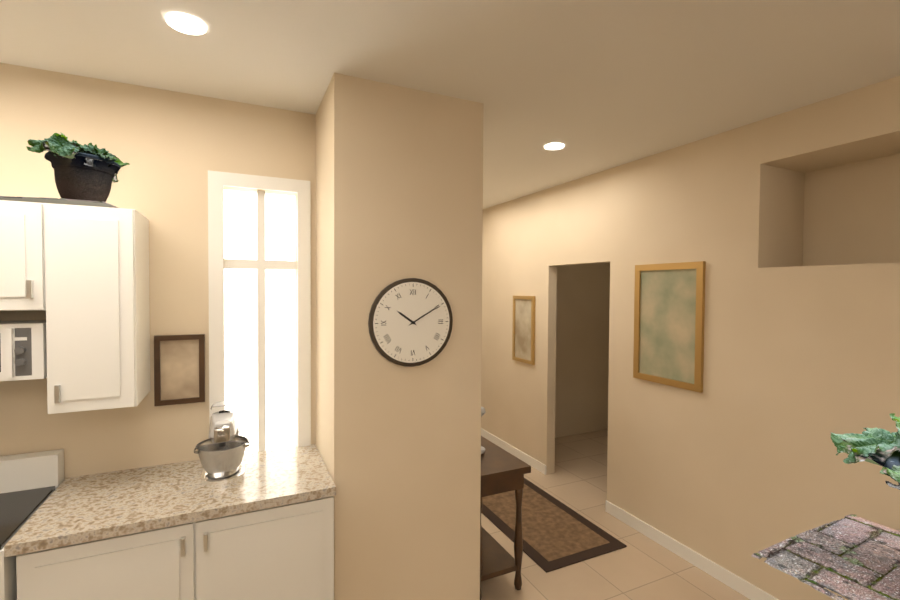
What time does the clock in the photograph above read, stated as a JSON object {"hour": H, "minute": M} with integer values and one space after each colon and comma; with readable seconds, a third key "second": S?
{"hour": 10, "minute": 10}
